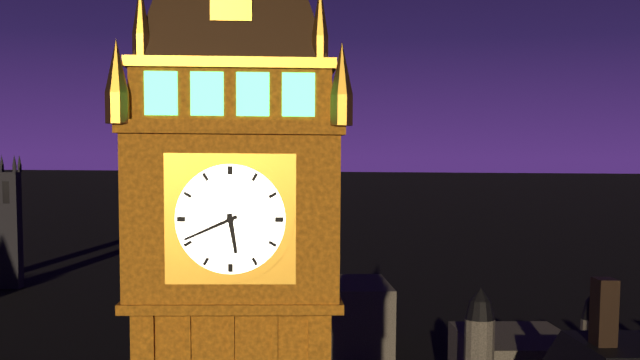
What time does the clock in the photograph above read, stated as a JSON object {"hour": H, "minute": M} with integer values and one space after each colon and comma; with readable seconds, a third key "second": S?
{"hour": 5, "minute": 41}
